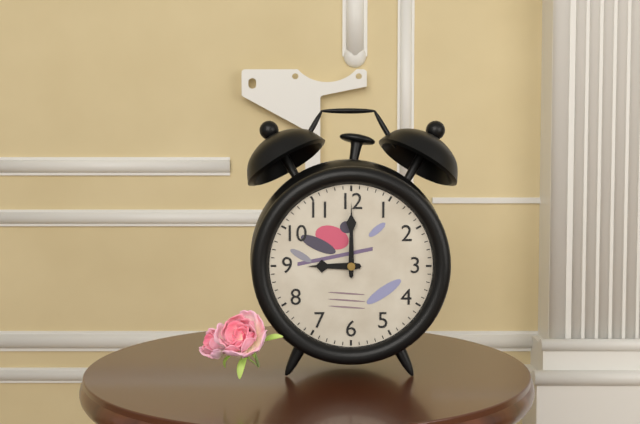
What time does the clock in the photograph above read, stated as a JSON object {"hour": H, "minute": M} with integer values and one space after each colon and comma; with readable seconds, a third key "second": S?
{"hour": 9, "minute": 0}
